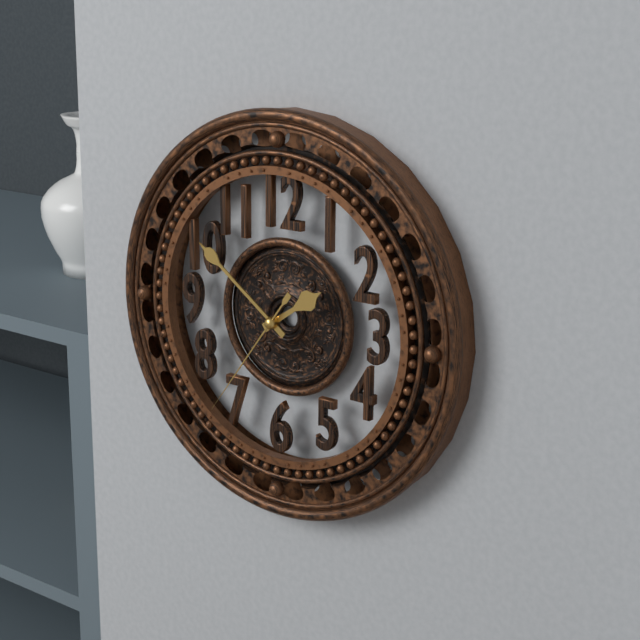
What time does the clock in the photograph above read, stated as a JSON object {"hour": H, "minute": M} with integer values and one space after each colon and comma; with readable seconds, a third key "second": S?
{"hour": 1, "minute": 51, "second": 36}
